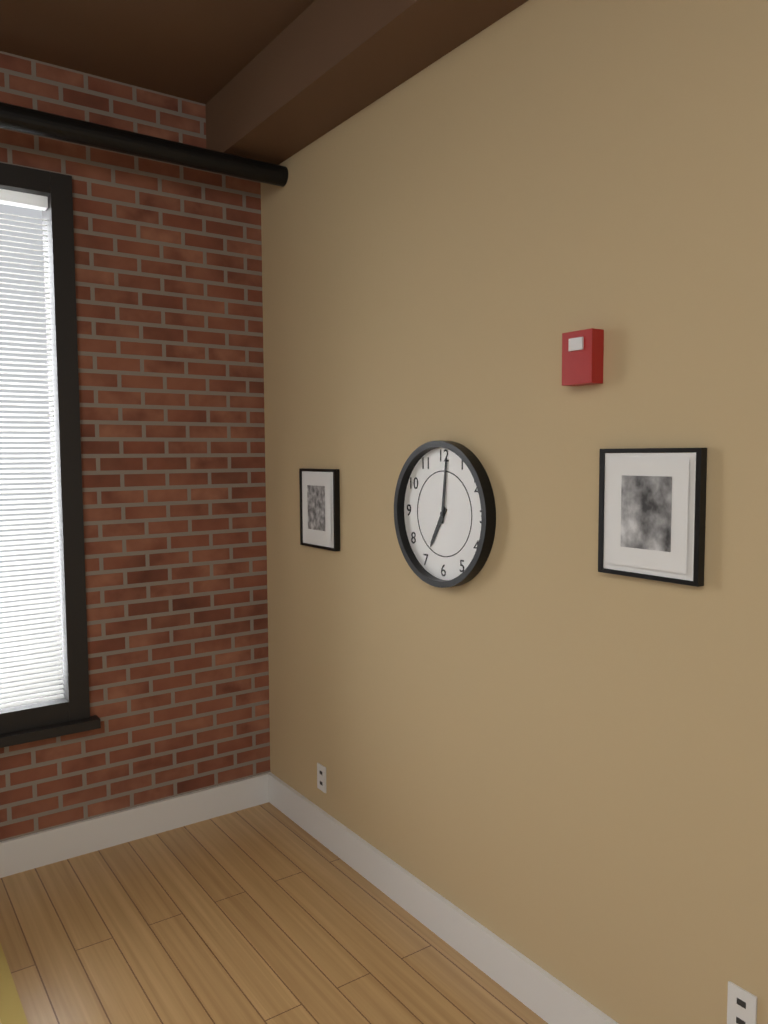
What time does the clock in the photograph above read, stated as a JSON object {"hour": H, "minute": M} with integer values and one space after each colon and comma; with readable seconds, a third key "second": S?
{"hour": 7, "minute": 1}
